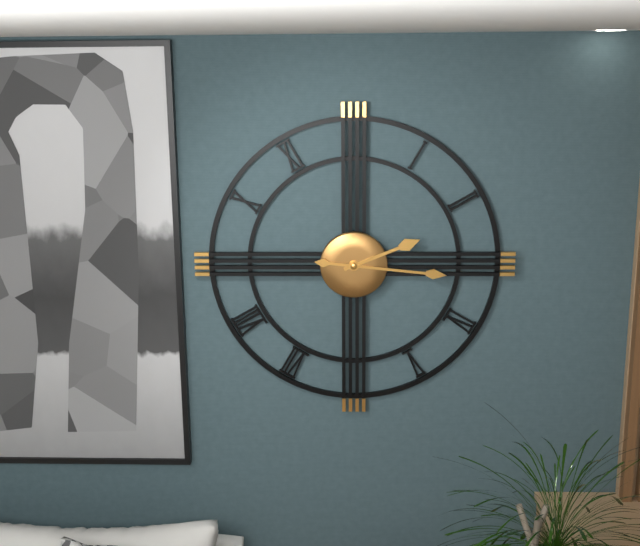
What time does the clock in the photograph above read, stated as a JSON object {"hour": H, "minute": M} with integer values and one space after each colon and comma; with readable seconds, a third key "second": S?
{"hour": 2, "minute": 16}
